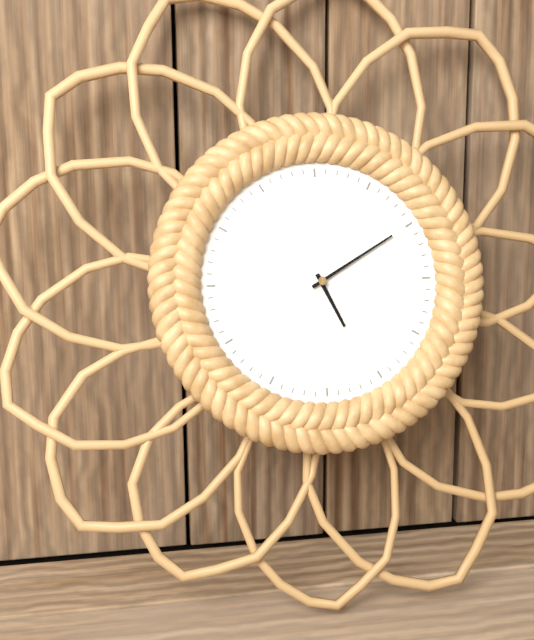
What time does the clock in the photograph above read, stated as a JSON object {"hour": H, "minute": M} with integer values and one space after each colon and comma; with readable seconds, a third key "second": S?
{"hour": 5, "minute": 10}
